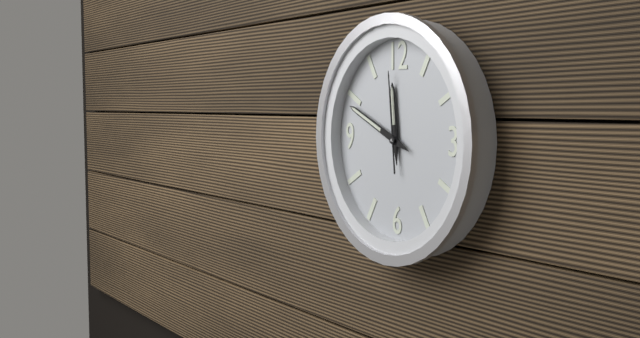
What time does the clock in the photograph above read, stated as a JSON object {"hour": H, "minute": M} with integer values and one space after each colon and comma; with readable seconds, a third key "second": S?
{"hour": 11, "minute": 49, "second": 59}
